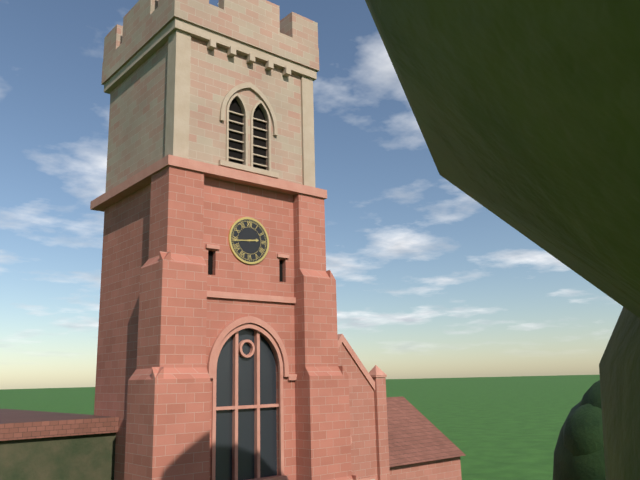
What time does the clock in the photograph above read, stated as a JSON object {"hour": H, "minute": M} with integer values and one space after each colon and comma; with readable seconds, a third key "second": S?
{"hour": 2, "minute": 44}
